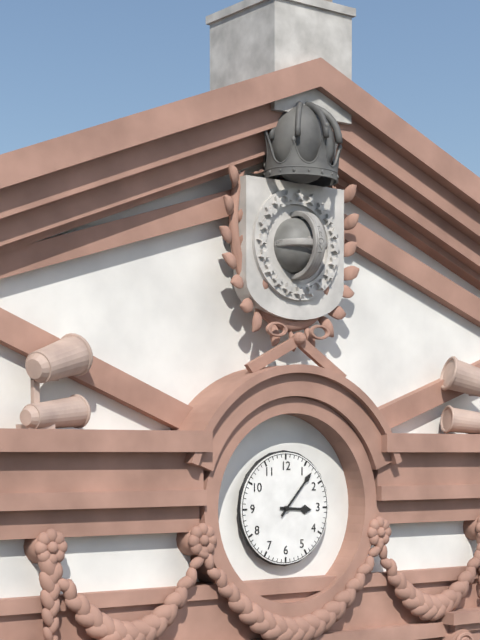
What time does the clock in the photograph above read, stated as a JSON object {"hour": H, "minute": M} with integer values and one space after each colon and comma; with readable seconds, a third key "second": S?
{"hour": 3, "minute": 7}
